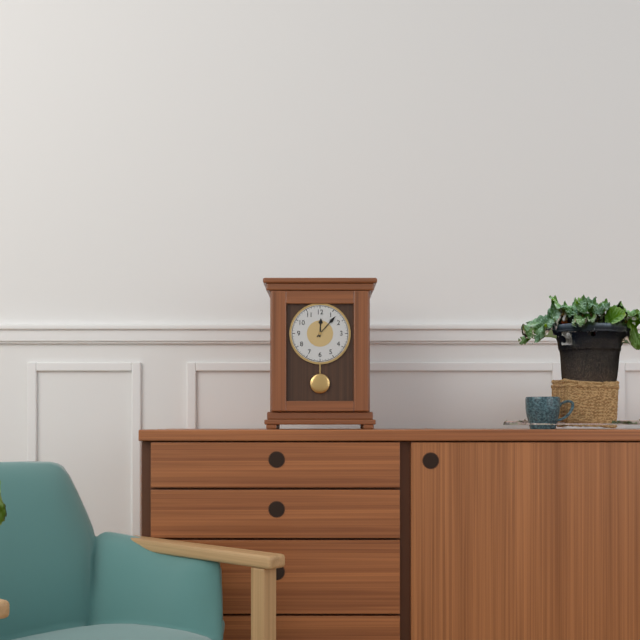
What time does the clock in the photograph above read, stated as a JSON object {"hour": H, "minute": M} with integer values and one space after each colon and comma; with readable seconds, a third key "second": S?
{"hour": 12, "minute": 7}
